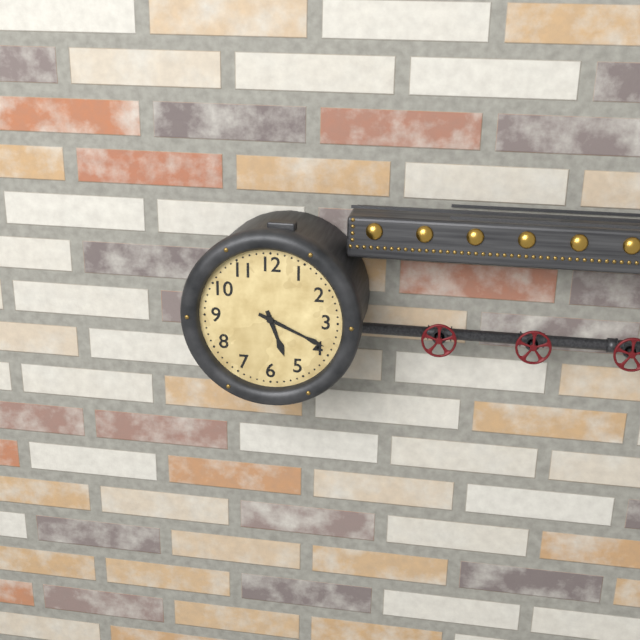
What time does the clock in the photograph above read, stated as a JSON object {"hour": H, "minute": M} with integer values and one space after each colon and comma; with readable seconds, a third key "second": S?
{"hour": 5, "minute": 19}
